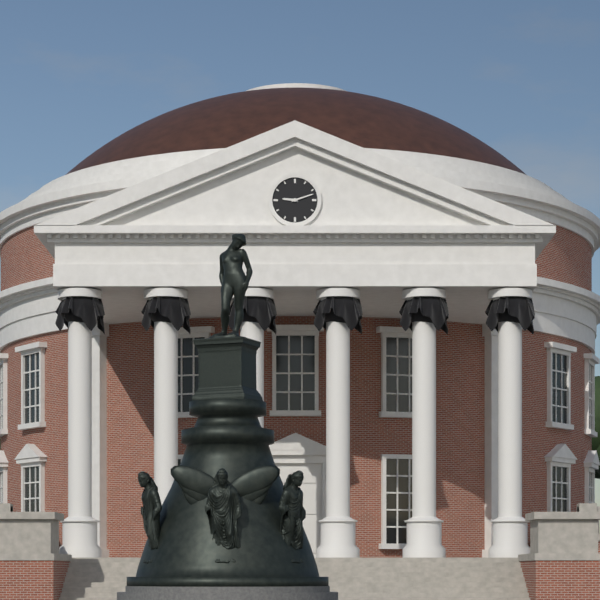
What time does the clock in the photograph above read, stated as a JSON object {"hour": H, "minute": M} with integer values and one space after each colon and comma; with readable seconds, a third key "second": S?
{"hour": 9, "minute": 12}
